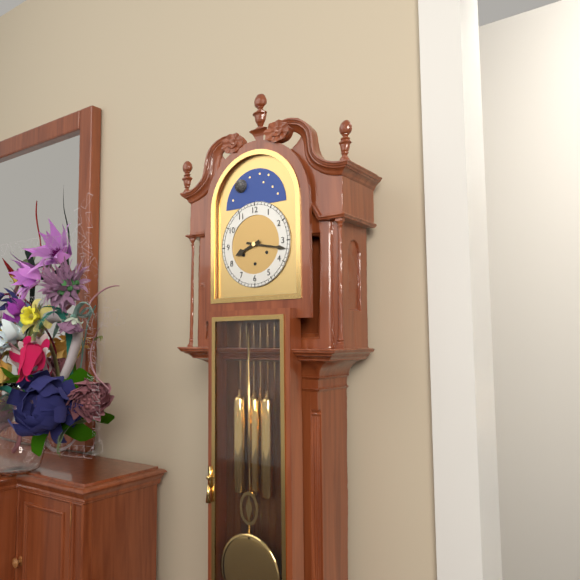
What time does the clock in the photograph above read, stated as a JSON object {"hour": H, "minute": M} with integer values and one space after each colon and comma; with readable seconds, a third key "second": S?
{"hour": 8, "minute": 17}
